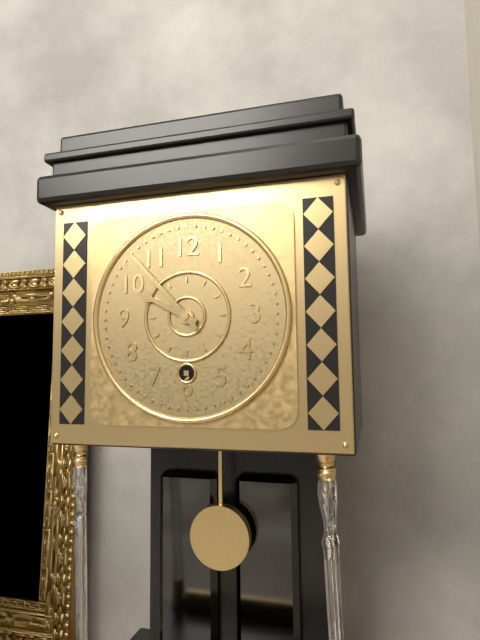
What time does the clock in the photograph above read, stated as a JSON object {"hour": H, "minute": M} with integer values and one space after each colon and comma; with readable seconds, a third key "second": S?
{"hour": 9, "minute": 53}
